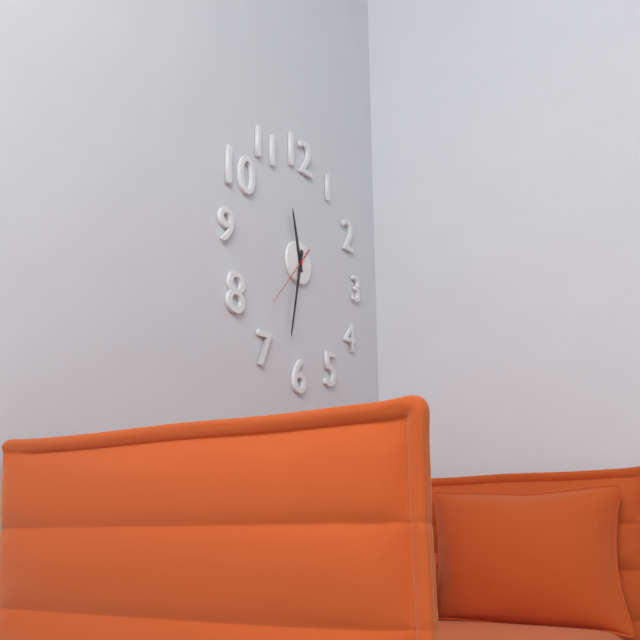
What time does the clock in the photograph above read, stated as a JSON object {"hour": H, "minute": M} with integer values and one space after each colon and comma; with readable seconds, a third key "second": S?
{"hour": 11, "minute": 32, "second": 37}
